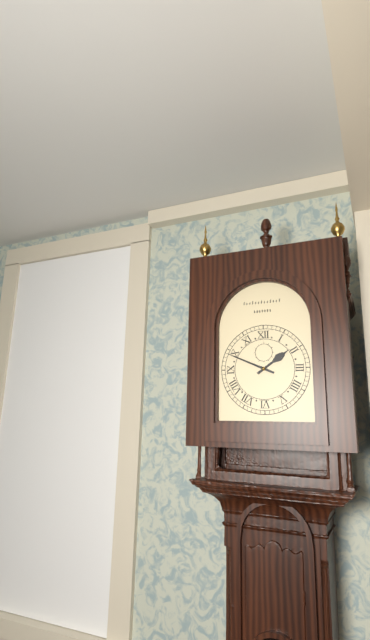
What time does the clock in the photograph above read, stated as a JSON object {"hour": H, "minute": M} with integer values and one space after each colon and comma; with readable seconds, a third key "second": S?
{"hour": 1, "minute": 49}
